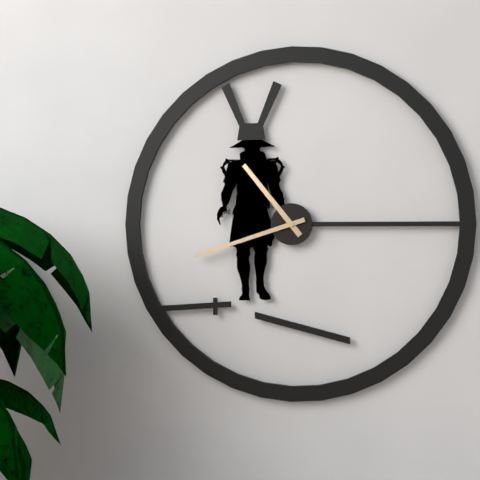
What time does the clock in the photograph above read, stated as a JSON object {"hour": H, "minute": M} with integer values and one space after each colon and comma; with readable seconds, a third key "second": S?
{"hour": 10, "minute": 42}
